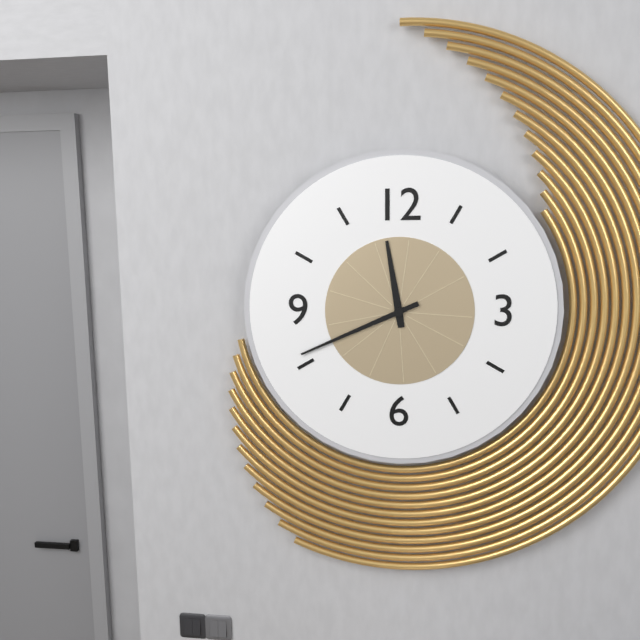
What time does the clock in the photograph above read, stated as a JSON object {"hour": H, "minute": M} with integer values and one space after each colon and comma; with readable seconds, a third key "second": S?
{"hour": 11, "minute": 41}
